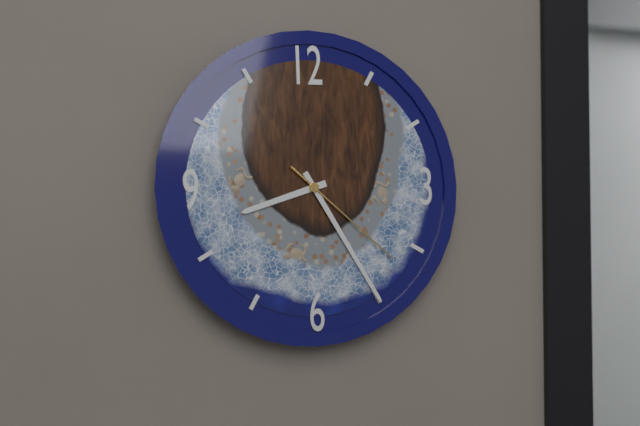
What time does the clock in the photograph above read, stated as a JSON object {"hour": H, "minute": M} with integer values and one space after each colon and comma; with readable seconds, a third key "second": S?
{"hour": 8, "minute": 25, "second": 22}
